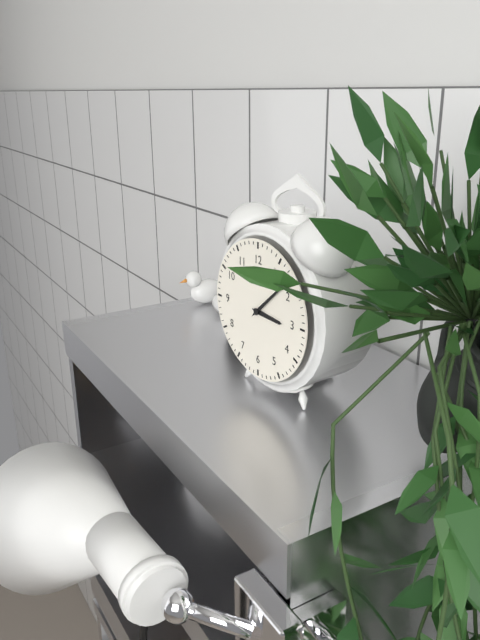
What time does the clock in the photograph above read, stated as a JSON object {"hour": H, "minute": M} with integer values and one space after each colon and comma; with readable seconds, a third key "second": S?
{"hour": 3, "minute": 8}
